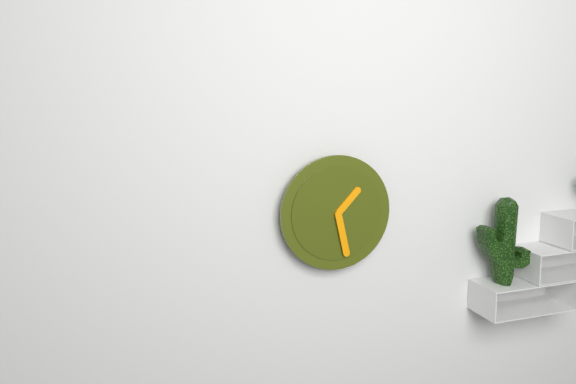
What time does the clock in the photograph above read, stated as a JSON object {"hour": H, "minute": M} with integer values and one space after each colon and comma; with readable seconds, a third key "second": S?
{"hour": 1, "minute": 28}
